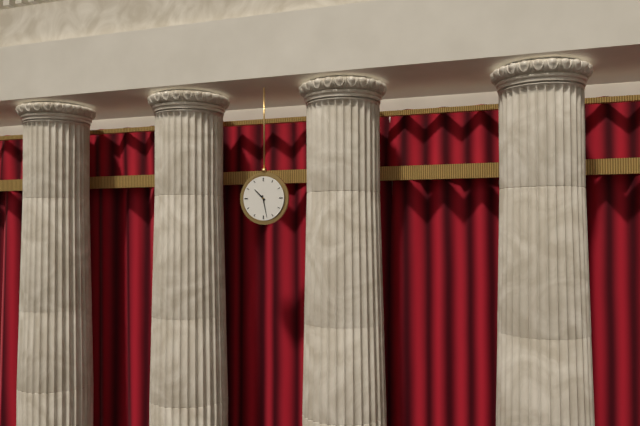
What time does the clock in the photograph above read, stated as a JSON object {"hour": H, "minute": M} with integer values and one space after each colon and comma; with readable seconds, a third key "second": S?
{"hour": 10, "minute": 28}
